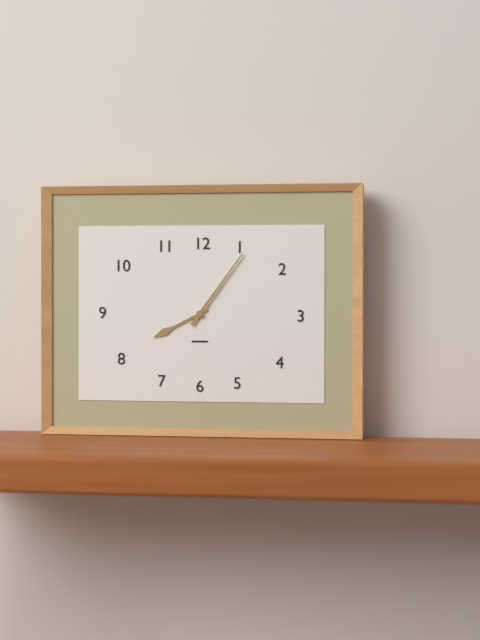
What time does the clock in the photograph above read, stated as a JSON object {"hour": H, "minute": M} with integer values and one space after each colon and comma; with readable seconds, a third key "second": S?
{"hour": 8, "minute": 6}
